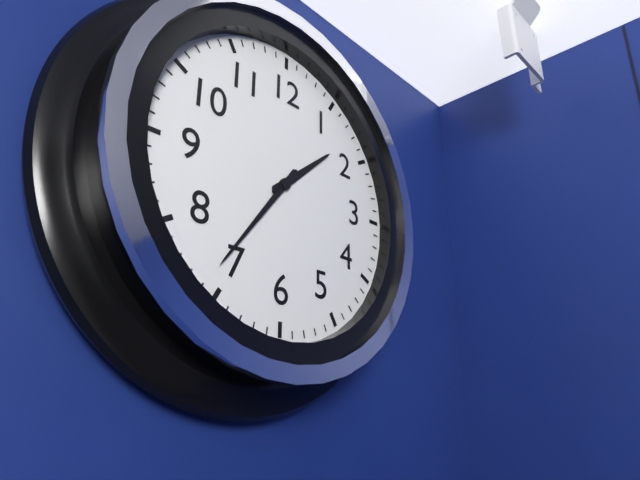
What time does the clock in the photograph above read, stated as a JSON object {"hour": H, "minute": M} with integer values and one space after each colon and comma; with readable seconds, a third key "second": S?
{"hour": 1, "minute": 36}
